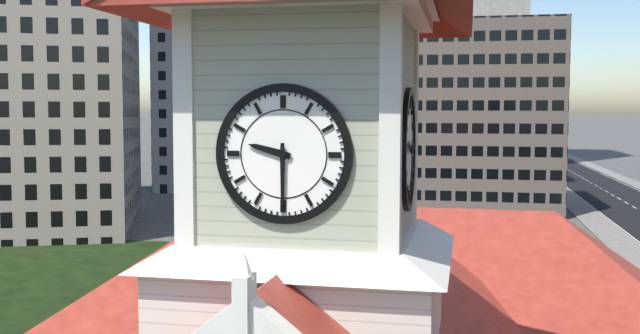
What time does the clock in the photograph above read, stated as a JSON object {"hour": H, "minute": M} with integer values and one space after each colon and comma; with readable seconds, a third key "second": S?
{"hour": 9, "minute": 30}
